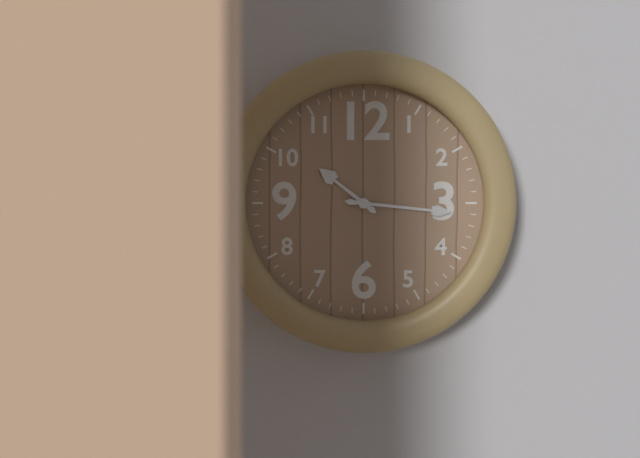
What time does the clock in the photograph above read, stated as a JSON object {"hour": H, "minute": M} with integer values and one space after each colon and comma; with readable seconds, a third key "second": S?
{"hour": 10, "minute": 16}
